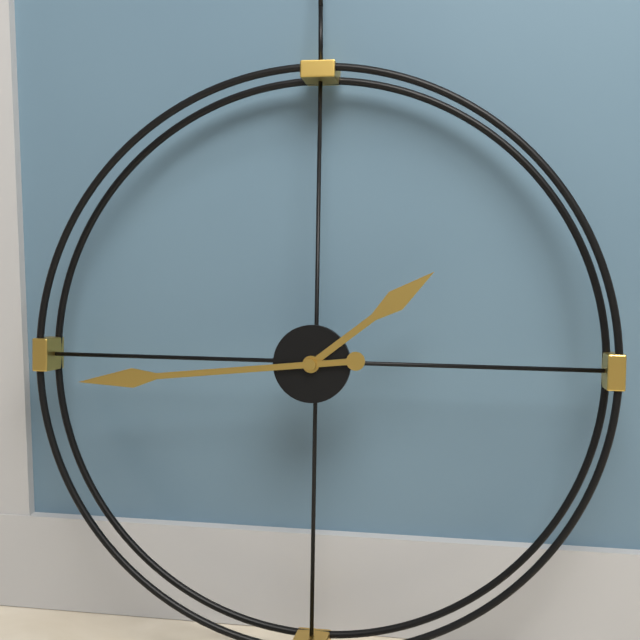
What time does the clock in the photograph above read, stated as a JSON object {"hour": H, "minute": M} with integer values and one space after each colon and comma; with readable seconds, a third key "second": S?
{"hour": 1, "minute": 44}
